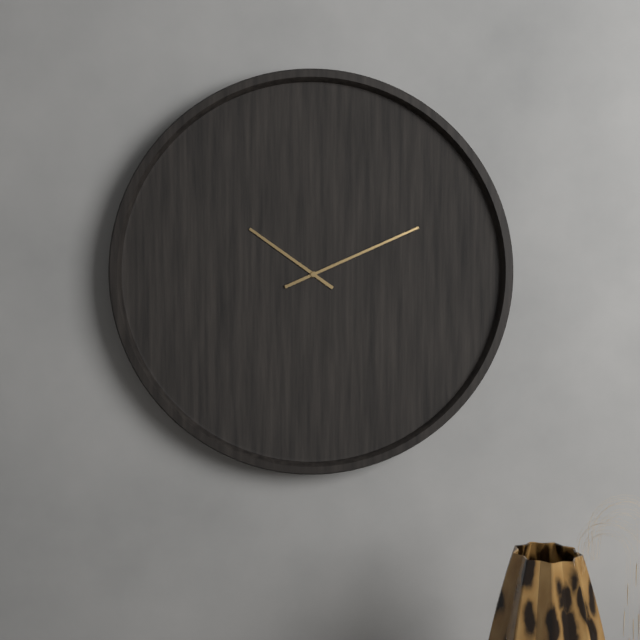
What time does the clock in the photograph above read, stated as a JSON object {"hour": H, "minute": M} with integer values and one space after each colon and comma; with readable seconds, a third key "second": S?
{"hour": 10, "minute": 11}
